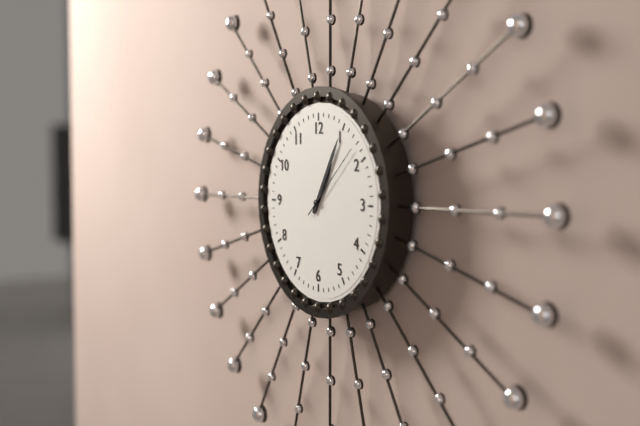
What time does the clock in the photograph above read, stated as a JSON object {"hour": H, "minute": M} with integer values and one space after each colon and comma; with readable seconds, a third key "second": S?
{"hour": 1, "minute": 5, "second": 8}
